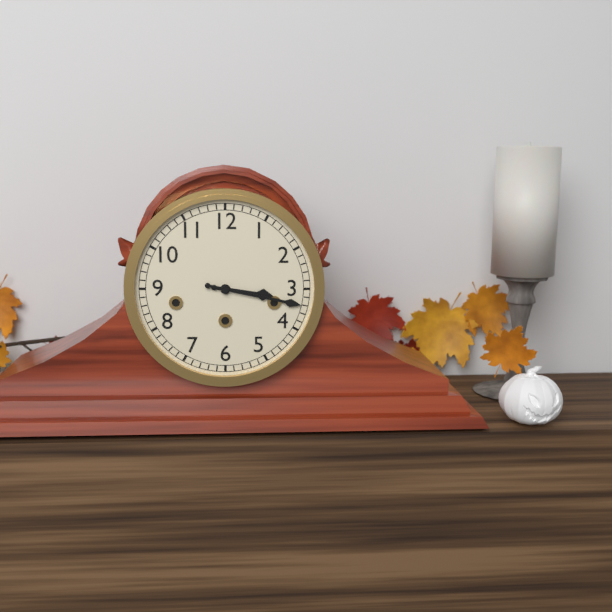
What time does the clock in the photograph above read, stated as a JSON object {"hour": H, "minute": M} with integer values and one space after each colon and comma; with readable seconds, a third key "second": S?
{"hour": 3, "minute": 17}
